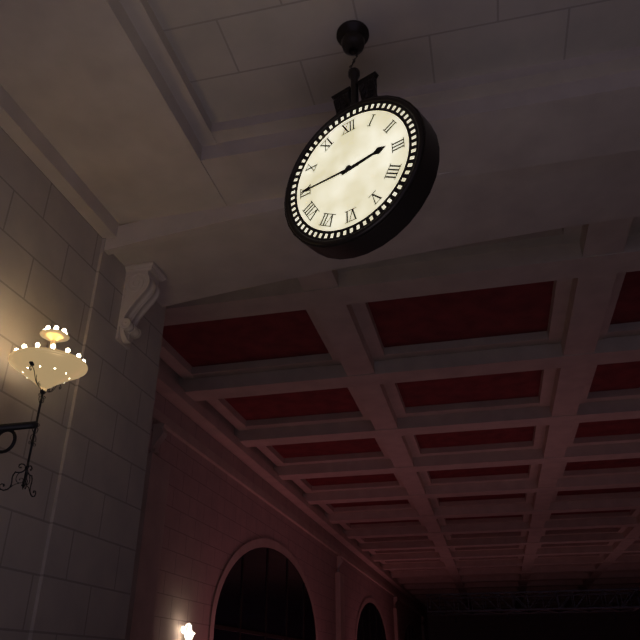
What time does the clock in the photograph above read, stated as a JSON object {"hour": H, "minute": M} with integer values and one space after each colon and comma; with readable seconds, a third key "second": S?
{"hour": 2, "minute": 45}
